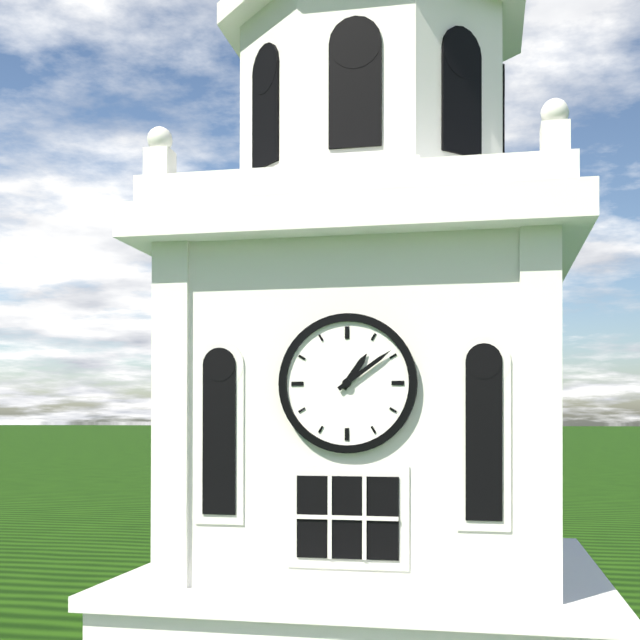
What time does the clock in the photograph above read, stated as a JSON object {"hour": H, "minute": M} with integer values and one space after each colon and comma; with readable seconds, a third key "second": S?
{"hour": 1, "minute": 9}
